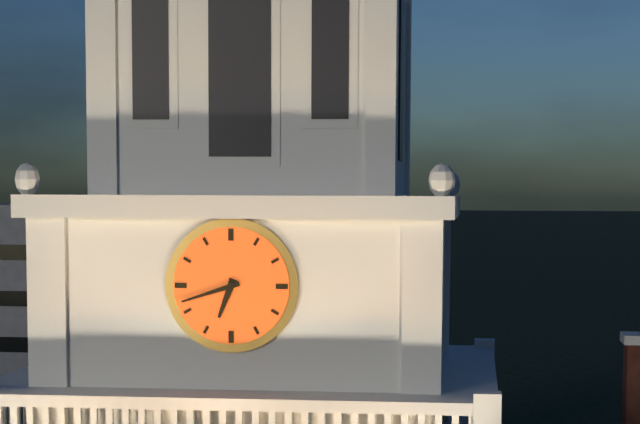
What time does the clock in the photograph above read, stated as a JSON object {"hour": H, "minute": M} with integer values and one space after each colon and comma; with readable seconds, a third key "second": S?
{"hour": 6, "minute": 42}
